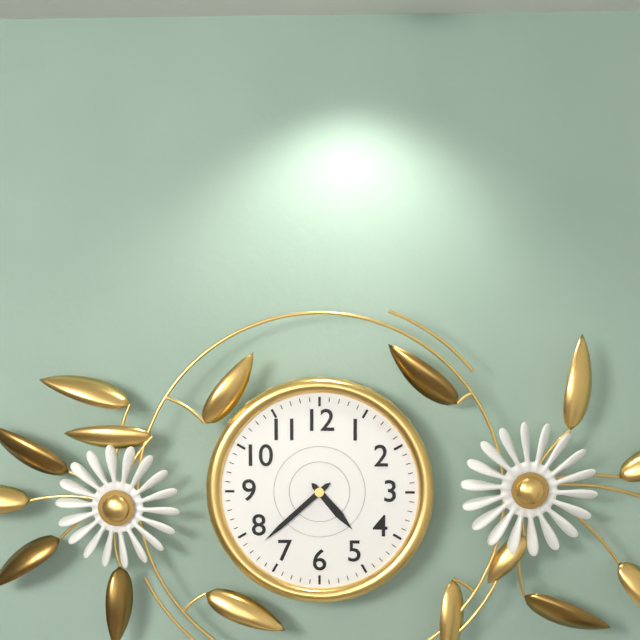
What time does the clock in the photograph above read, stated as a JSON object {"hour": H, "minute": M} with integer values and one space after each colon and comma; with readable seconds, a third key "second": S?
{"hour": 4, "minute": 38}
